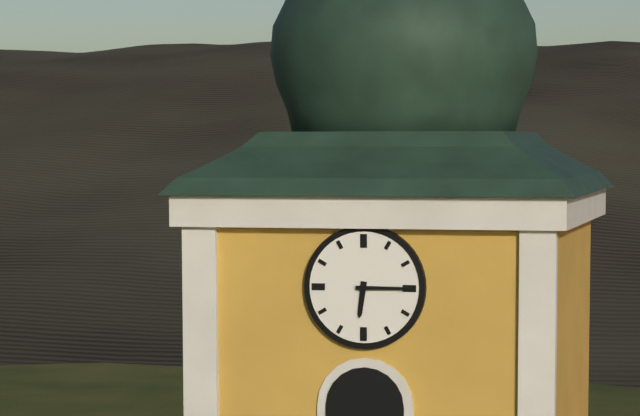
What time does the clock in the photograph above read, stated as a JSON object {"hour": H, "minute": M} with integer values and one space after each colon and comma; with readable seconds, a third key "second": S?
{"hour": 6, "minute": 15}
